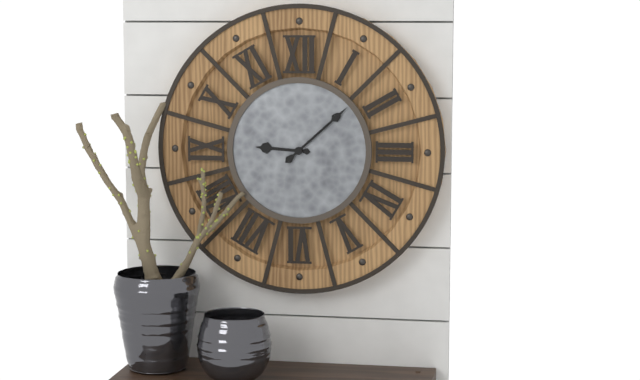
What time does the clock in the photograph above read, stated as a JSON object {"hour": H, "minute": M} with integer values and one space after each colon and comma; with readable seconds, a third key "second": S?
{"hour": 9, "minute": 8}
